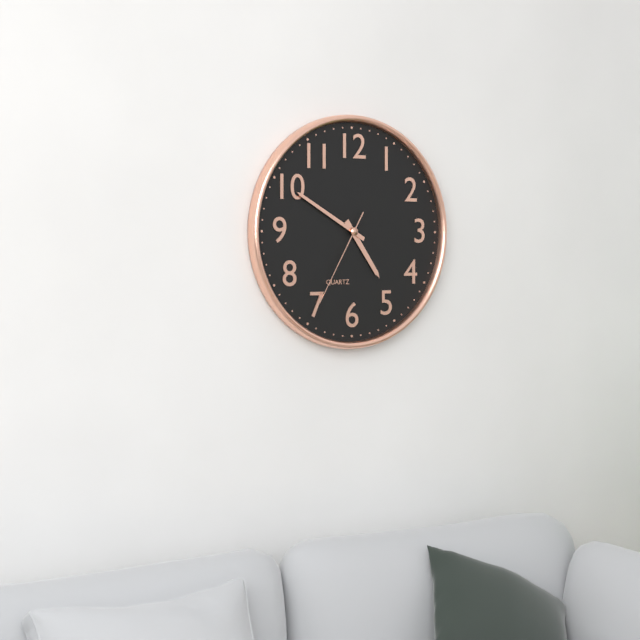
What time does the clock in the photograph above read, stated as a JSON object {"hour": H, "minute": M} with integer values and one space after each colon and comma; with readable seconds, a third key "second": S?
{"hour": 4, "minute": 50, "second": 35}
